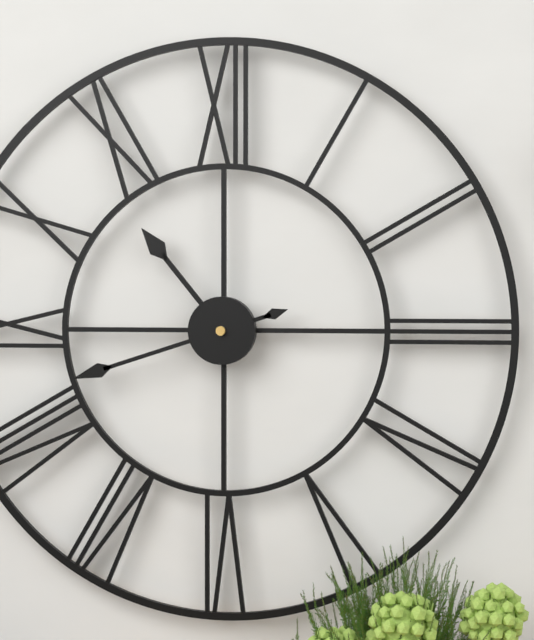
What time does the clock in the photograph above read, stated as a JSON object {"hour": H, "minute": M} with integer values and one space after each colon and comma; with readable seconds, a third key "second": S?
{"hour": 10, "minute": 42}
